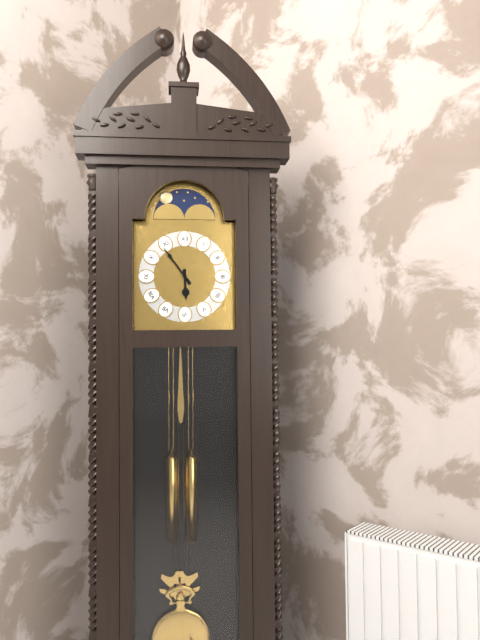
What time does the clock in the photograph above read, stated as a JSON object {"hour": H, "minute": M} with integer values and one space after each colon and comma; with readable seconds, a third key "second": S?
{"hour": 5, "minute": 54}
